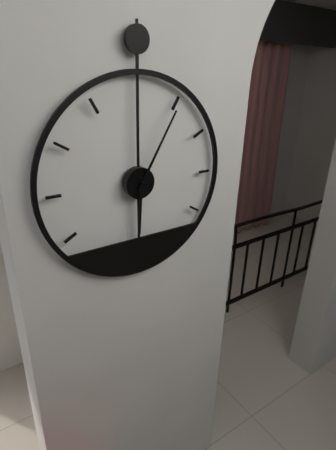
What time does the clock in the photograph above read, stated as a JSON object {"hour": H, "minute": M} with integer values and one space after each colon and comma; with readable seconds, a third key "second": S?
{"hour": 6, "minute": 5}
